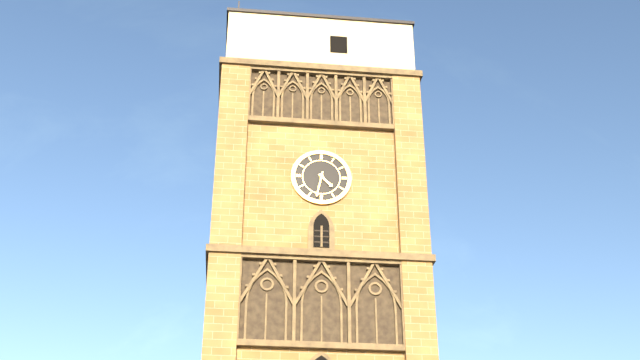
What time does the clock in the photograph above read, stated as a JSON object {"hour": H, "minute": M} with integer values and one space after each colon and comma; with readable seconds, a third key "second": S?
{"hour": 4, "minute": 32}
